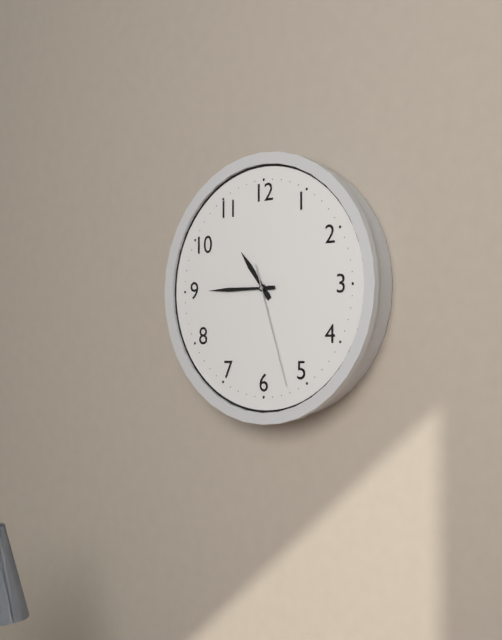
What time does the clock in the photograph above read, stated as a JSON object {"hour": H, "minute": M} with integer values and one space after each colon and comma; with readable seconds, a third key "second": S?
{"hour": 10, "minute": 45, "second": 27}
